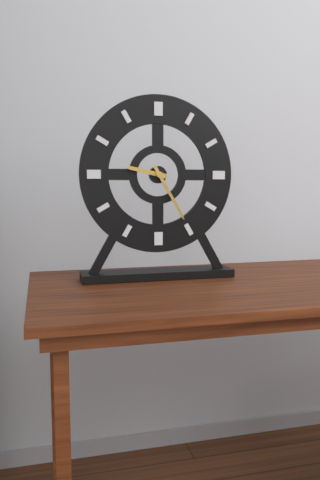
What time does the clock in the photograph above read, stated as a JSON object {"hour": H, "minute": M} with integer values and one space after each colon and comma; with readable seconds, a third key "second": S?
{"hour": 9, "minute": 25}
